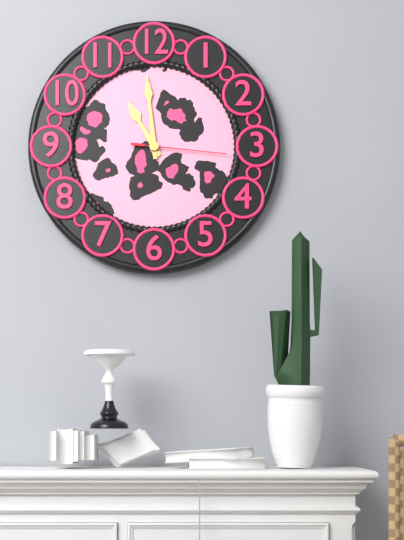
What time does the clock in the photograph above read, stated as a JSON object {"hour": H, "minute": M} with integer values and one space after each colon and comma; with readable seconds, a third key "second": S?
{"hour": 10, "minute": 59, "second": 16}
